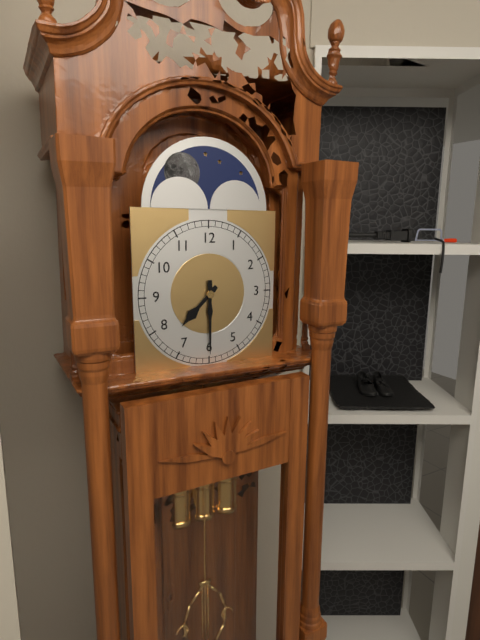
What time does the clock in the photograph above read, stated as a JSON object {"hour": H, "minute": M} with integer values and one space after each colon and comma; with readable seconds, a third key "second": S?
{"hour": 7, "minute": 30}
